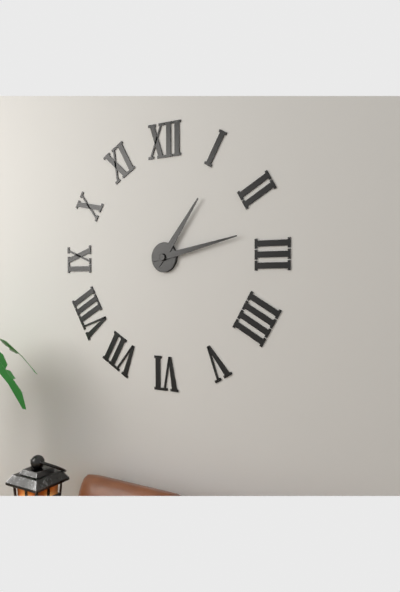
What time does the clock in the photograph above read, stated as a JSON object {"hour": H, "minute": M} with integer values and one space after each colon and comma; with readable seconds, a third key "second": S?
{"hour": 1, "minute": 13}
